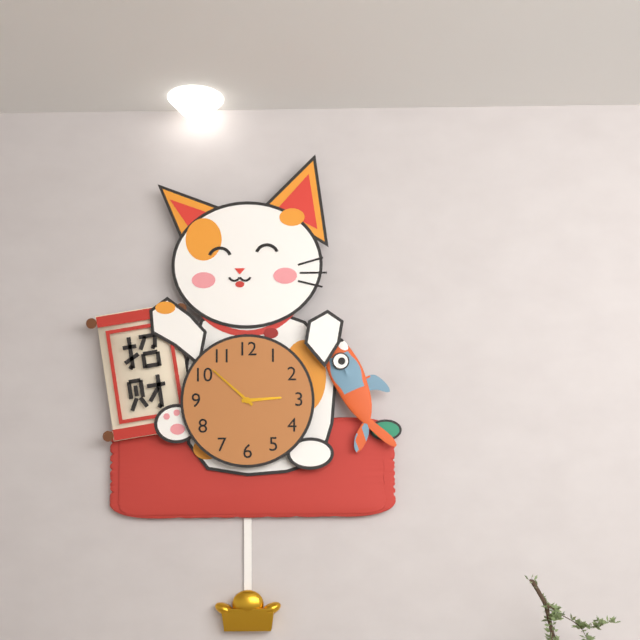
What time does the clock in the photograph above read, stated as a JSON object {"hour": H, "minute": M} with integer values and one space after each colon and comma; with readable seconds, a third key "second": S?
{"hour": 2, "minute": 52}
